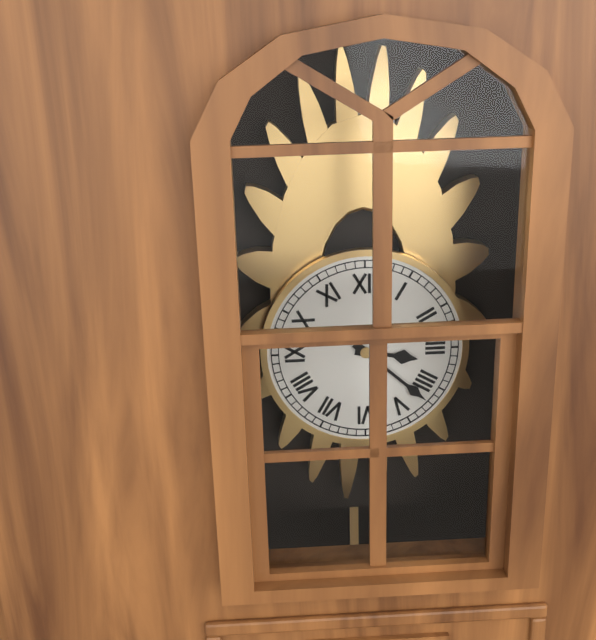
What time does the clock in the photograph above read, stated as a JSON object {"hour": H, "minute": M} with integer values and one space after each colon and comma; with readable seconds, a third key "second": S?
{"hour": 3, "minute": 22}
